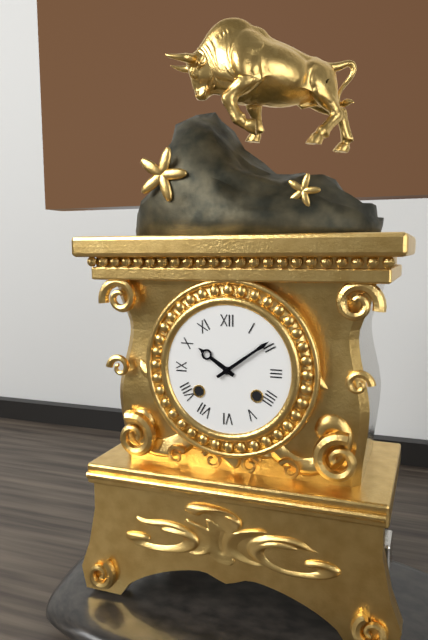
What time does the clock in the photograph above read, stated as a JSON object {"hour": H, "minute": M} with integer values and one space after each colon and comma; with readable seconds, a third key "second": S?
{"hour": 10, "minute": 9}
